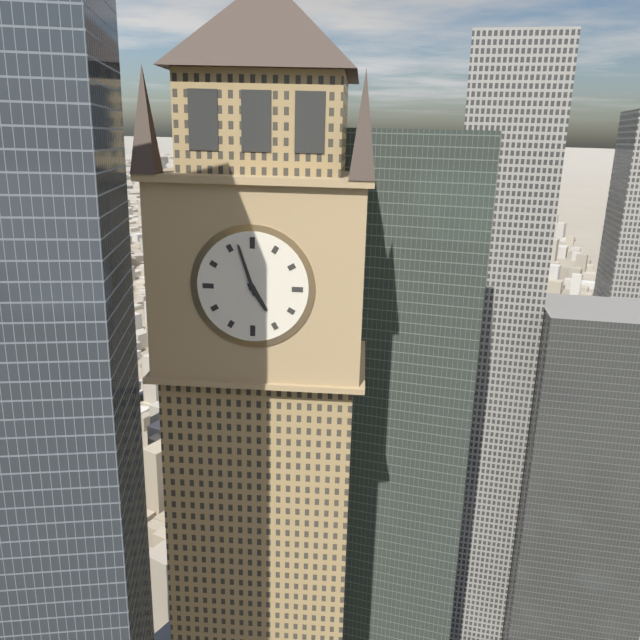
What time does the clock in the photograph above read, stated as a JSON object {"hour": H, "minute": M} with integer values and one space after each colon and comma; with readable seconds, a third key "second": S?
{"hour": 4, "minute": 57}
